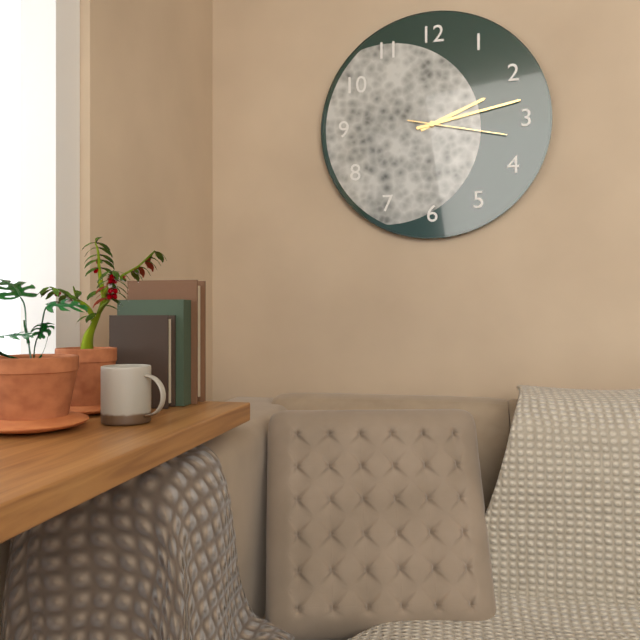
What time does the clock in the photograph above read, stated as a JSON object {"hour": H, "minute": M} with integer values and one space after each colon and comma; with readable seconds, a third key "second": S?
{"hour": 2, "minute": 13, "second": 17}
